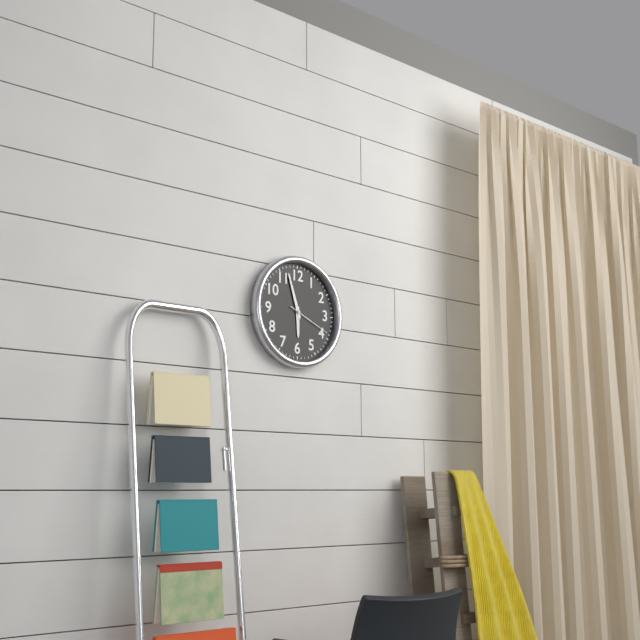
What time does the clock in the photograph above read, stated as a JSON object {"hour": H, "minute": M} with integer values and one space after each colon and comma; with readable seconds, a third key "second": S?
{"hour": 5, "minute": 57}
